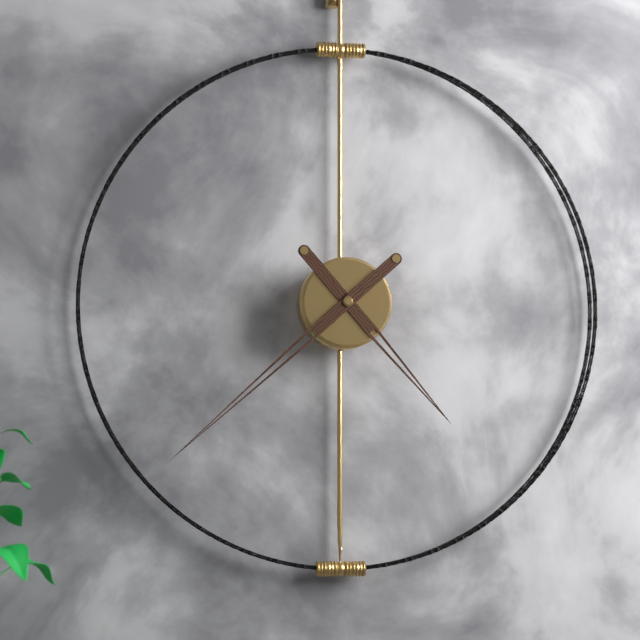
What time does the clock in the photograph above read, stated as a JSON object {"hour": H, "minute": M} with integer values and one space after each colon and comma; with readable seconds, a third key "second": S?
{"hour": 4, "minute": 38}
